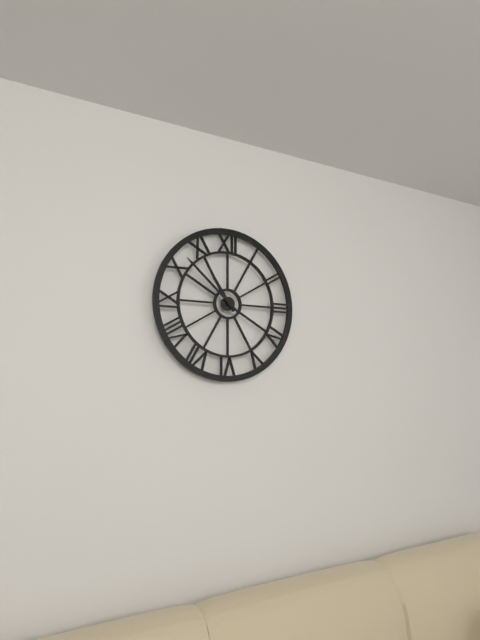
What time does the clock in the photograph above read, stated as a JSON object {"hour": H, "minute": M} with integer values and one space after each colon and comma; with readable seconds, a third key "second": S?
{"hour": 10, "minute": 52}
